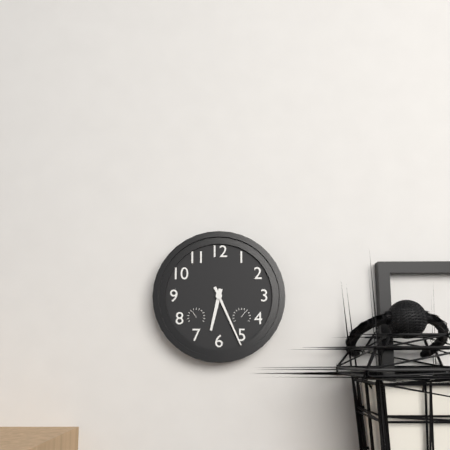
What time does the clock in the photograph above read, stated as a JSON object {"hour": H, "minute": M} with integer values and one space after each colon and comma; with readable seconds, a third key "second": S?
{"hour": 6, "minute": 26}
